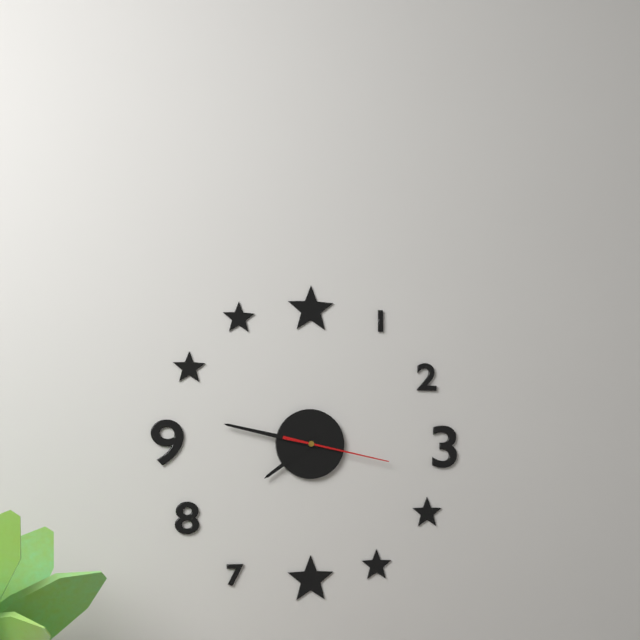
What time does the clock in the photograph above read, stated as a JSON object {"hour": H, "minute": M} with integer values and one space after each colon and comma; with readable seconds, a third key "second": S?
{"hour": 7, "minute": 47, "second": 17}
